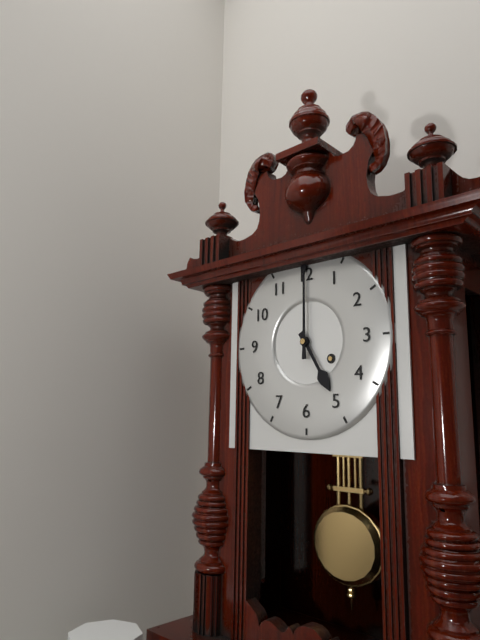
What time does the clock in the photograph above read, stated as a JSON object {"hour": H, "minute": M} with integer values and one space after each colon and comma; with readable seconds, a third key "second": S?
{"hour": 5, "minute": 0}
